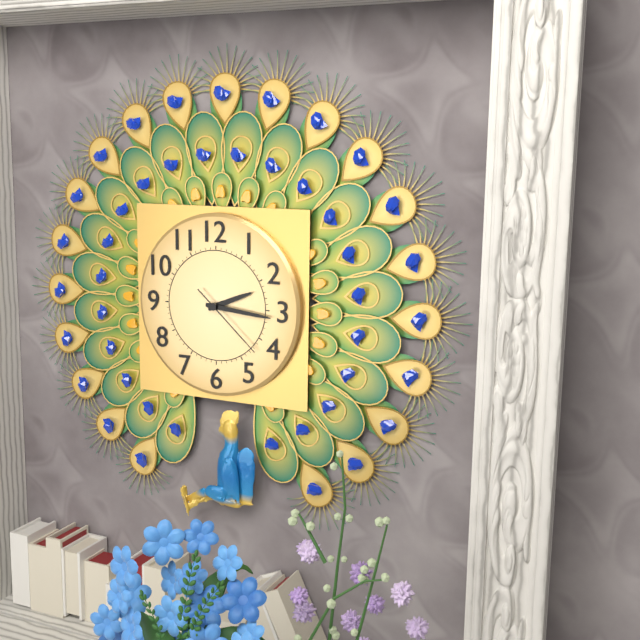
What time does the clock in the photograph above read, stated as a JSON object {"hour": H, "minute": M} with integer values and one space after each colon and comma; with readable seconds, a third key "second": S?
{"hour": 2, "minute": 16, "second": 22}
